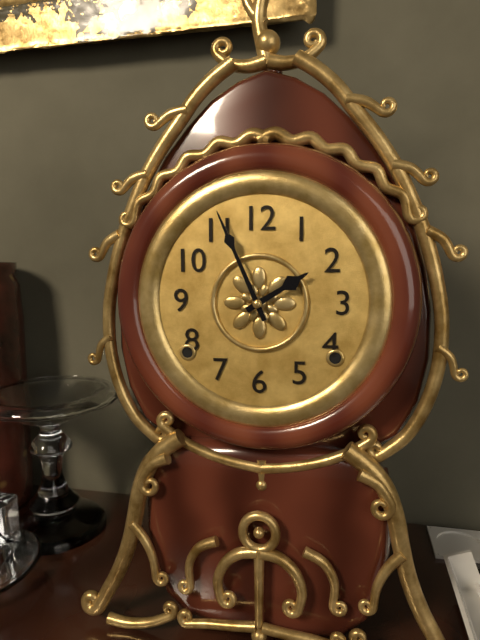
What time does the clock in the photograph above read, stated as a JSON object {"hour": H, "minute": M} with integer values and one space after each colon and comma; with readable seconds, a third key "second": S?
{"hour": 1, "minute": 56}
